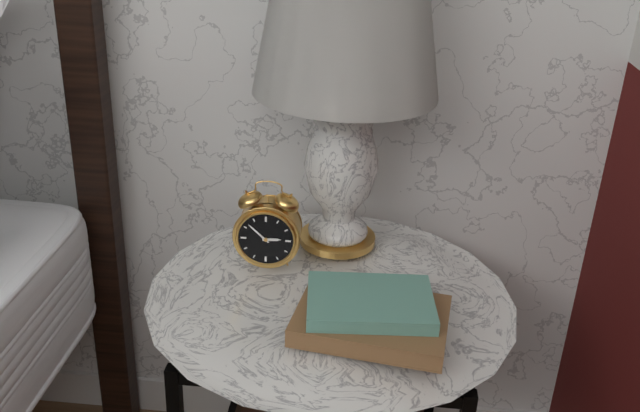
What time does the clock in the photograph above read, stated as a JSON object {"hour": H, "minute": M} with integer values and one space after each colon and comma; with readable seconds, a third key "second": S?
{"hour": 2, "minute": 52}
